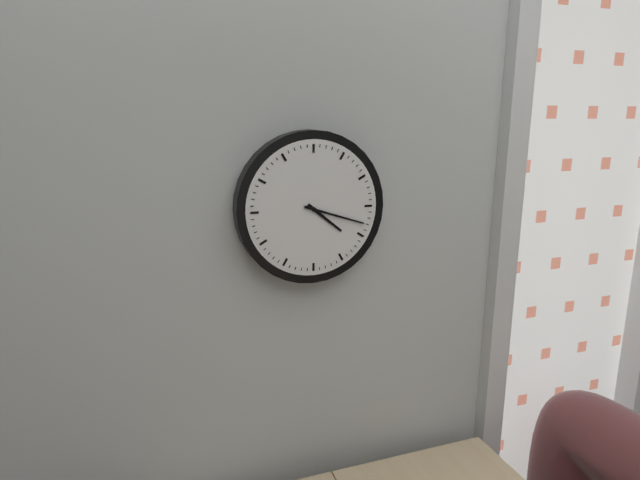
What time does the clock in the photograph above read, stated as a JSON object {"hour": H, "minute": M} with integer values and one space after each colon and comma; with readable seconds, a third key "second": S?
{"hour": 4, "minute": 18}
